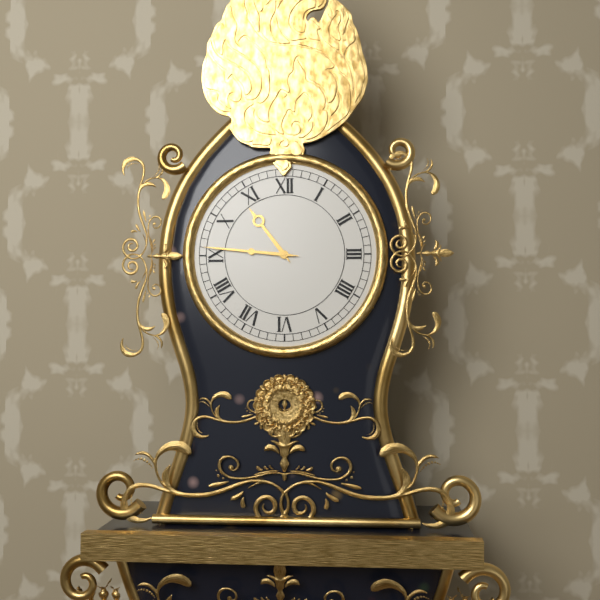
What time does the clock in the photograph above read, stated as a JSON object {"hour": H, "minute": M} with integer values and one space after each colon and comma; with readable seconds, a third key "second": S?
{"hour": 10, "minute": 46}
